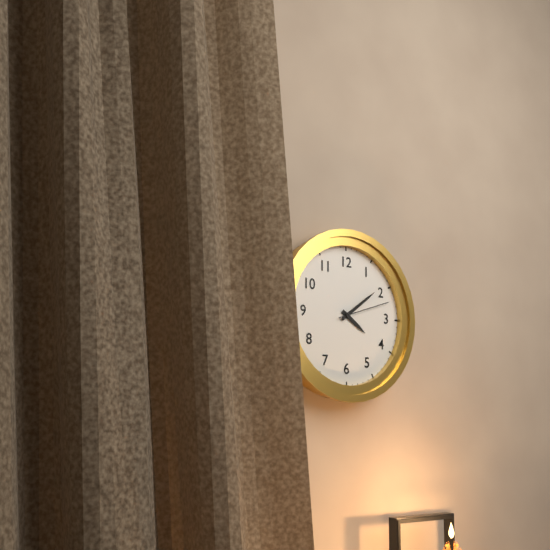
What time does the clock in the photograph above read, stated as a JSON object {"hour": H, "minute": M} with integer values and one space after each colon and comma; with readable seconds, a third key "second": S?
{"hour": 4, "minute": 9, "second": 12}
